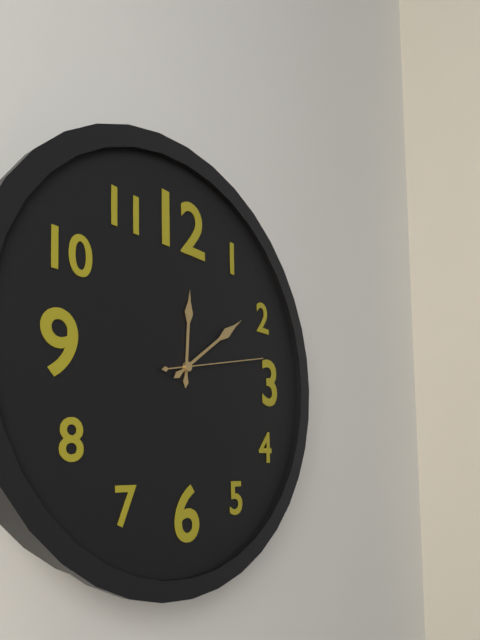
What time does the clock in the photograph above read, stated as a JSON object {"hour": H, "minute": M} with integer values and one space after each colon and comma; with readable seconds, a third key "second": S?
{"hour": 12, "minute": 9, "second": 13}
